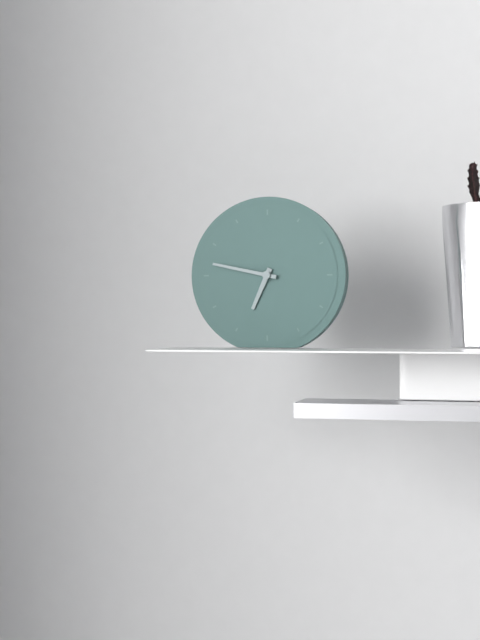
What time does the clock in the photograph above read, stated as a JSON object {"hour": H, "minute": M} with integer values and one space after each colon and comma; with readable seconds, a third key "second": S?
{"hour": 6, "minute": 47}
